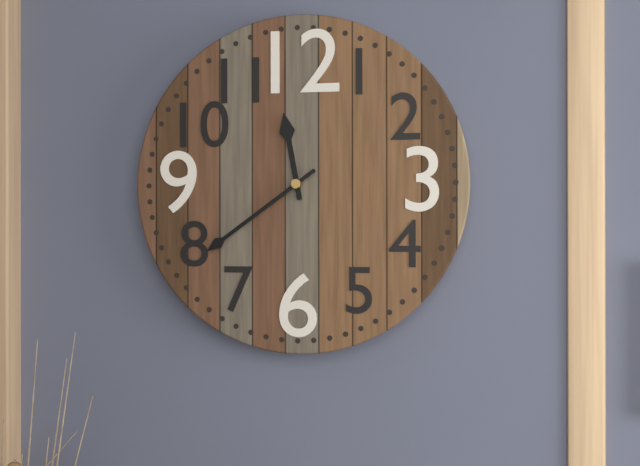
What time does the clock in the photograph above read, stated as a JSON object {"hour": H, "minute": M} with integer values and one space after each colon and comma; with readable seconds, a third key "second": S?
{"hour": 11, "minute": 39}
